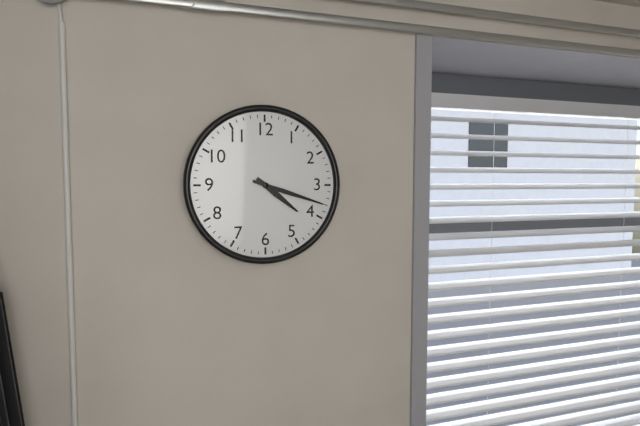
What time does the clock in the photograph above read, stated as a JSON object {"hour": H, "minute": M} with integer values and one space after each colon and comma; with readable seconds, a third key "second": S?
{"hour": 4, "minute": 18}
